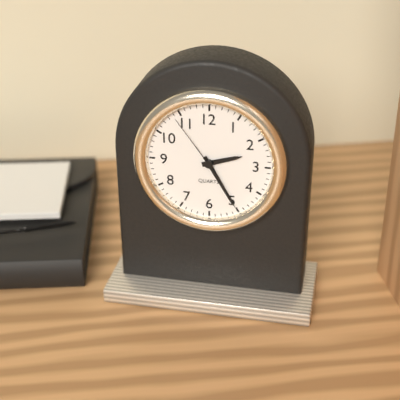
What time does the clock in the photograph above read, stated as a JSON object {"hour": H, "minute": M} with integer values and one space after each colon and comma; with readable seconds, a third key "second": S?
{"hour": 2, "minute": 25, "second": 54}
